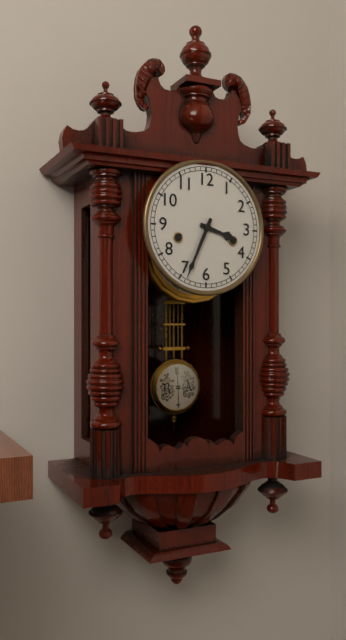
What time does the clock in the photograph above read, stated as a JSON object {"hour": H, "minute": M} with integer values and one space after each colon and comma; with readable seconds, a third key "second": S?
{"hour": 3, "minute": 34}
